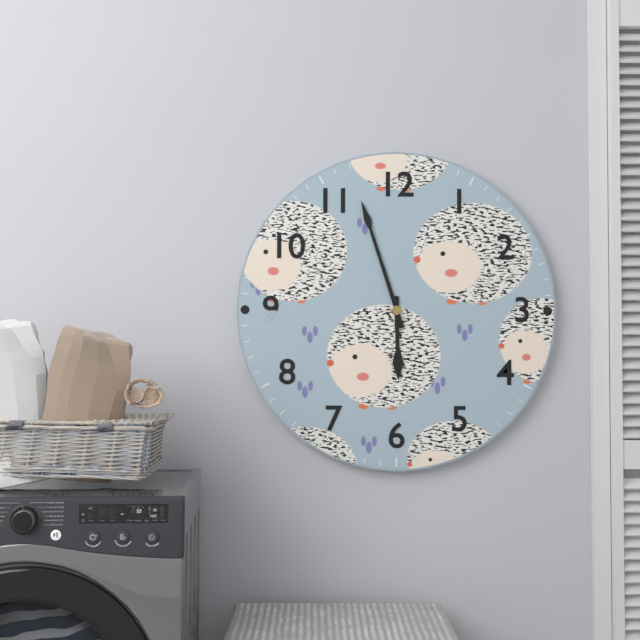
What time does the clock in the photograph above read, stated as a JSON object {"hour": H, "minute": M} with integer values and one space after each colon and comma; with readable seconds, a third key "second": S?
{"hour": 5, "minute": 57}
